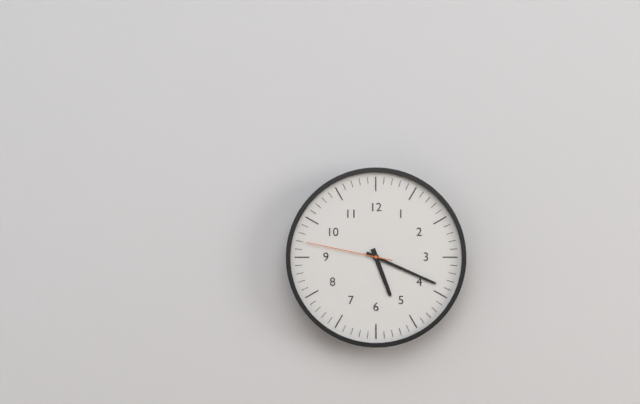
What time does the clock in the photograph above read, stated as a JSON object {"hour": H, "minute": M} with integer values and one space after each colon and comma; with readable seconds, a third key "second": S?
{"hour": 5, "minute": 19, "second": 47}
